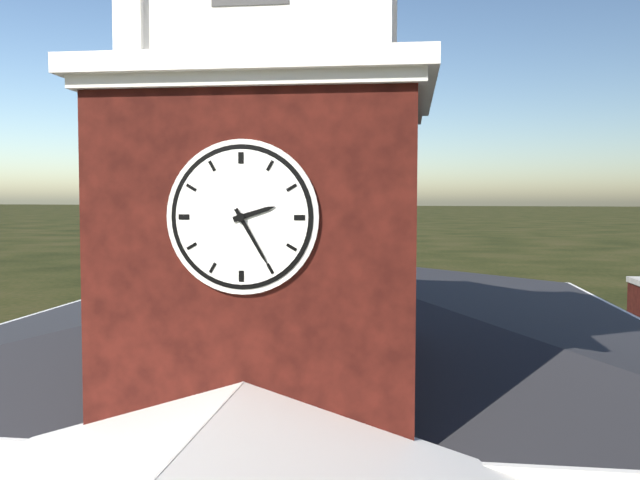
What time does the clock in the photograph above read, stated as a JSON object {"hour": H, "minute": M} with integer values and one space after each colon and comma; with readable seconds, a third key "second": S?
{"hour": 2, "minute": 25}
